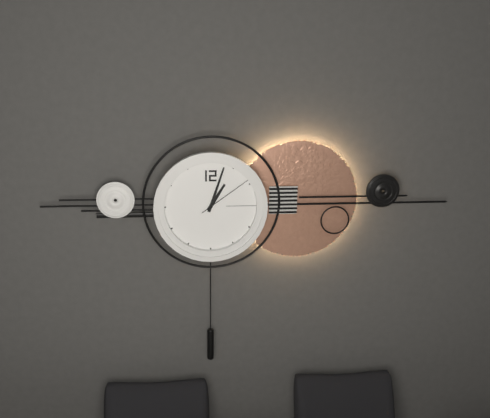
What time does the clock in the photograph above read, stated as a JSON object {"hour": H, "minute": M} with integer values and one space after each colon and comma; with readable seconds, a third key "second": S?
{"hour": 1, "minute": 3, "second": 9}
